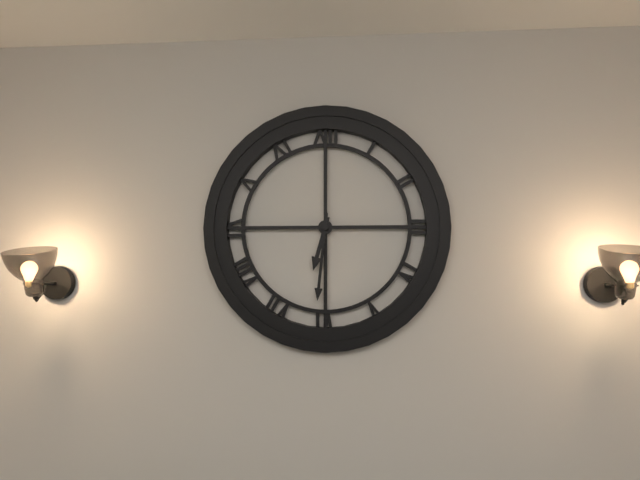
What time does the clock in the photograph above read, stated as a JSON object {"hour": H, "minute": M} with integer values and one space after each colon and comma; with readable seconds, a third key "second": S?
{"hour": 6, "minute": 31}
